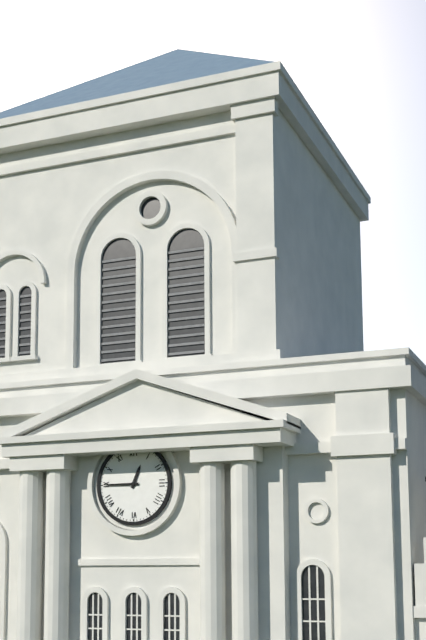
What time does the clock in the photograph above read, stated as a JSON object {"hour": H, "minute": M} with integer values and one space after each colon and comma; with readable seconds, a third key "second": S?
{"hour": 12, "minute": 45}
